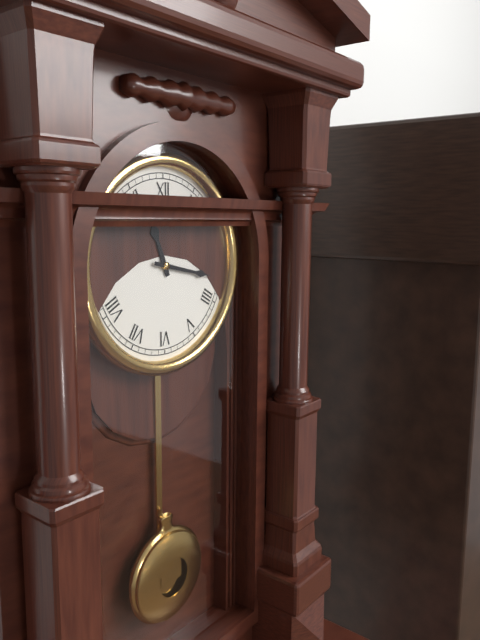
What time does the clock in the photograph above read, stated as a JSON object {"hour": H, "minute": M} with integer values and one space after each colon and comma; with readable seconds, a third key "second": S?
{"hour": 11, "minute": 17}
